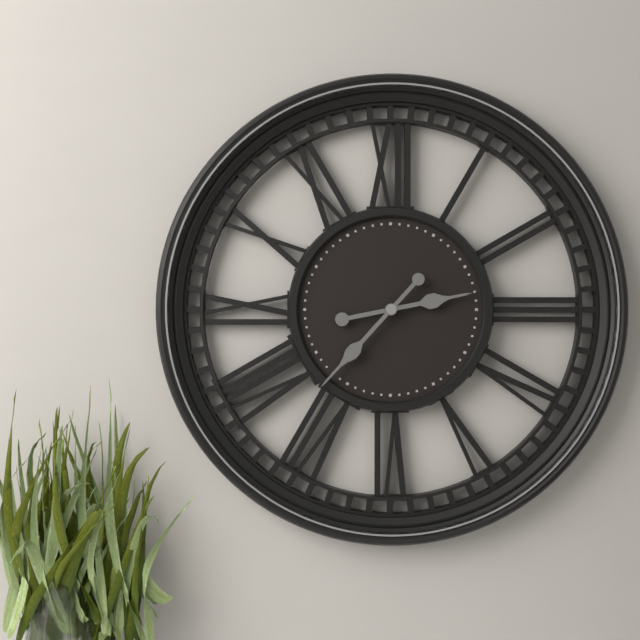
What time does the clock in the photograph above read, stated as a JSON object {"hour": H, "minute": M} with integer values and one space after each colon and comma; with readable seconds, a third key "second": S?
{"hour": 2, "minute": 37}
